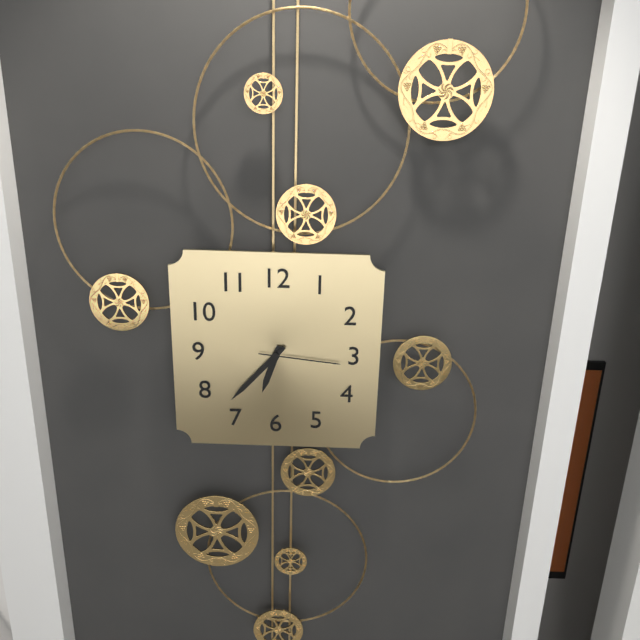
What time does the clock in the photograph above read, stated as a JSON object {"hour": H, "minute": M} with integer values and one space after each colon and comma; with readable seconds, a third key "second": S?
{"hour": 6, "minute": 37, "second": 16}
